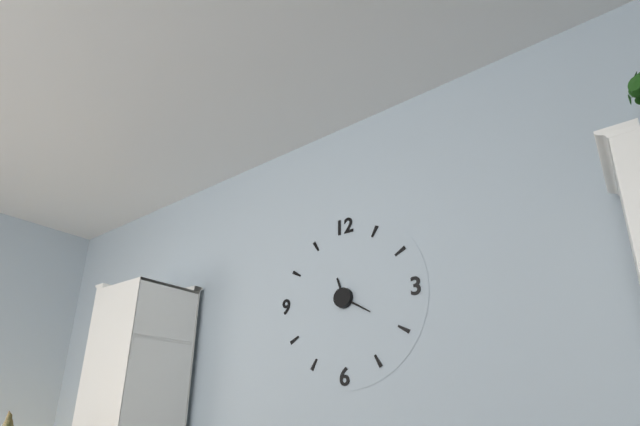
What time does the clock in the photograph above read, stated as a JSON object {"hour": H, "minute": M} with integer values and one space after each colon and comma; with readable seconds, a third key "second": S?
{"hour": 11, "minute": 20}
